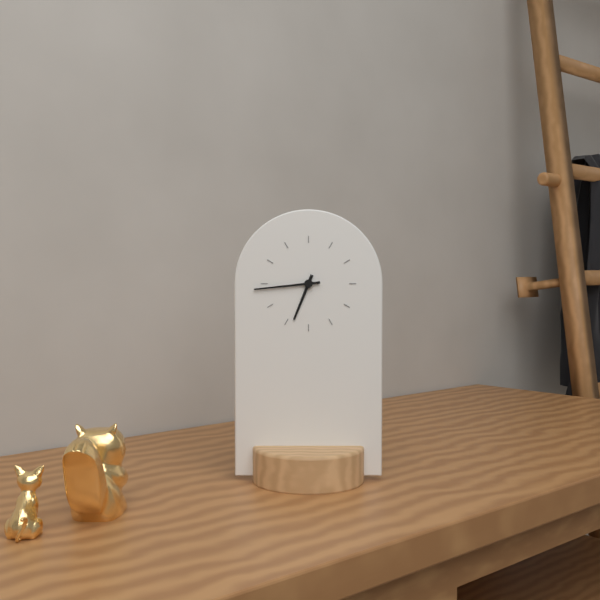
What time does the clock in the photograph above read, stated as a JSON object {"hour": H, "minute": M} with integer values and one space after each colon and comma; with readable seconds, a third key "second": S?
{"hour": 6, "minute": 44}
